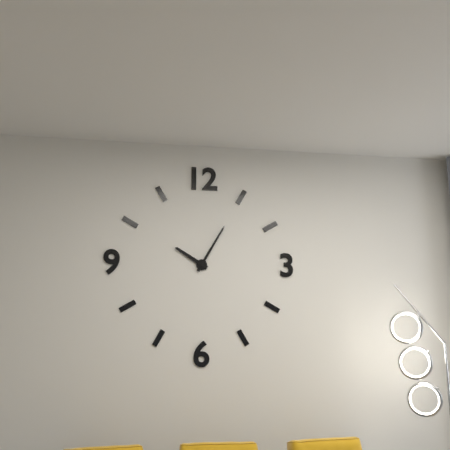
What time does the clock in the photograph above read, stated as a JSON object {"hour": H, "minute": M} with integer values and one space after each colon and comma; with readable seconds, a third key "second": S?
{"hour": 10, "minute": 5}
